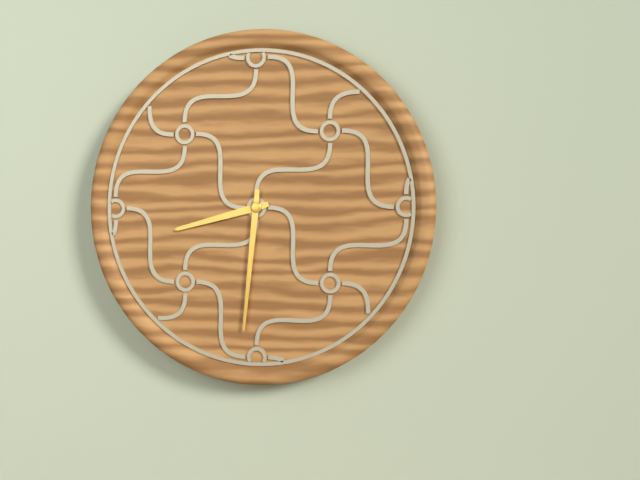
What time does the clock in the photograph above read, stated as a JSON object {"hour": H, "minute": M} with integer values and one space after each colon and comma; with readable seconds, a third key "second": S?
{"hour": 8, "minute": 31}
